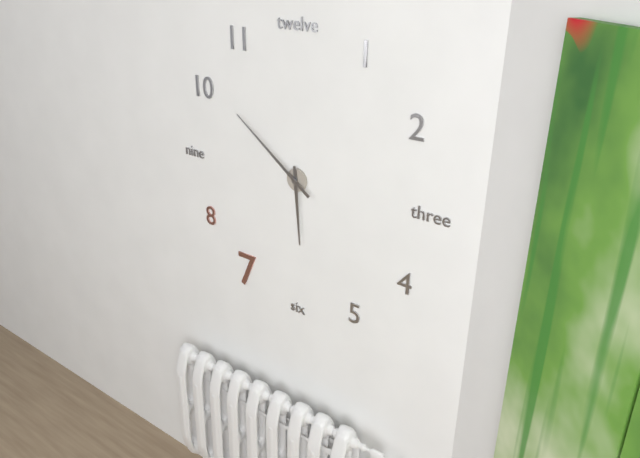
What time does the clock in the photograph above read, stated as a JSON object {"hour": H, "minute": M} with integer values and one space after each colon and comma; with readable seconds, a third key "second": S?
{"hour": 5, "minute": 51}
